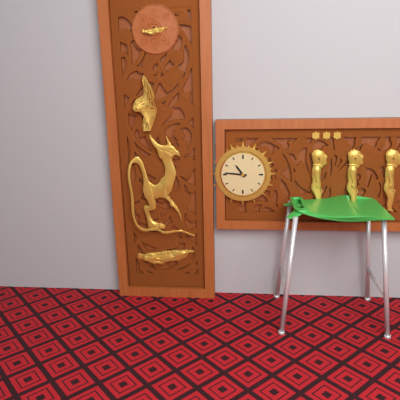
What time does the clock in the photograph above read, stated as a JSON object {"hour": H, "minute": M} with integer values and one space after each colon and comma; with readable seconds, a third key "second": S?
{"hour": 10, "minute": 46}
